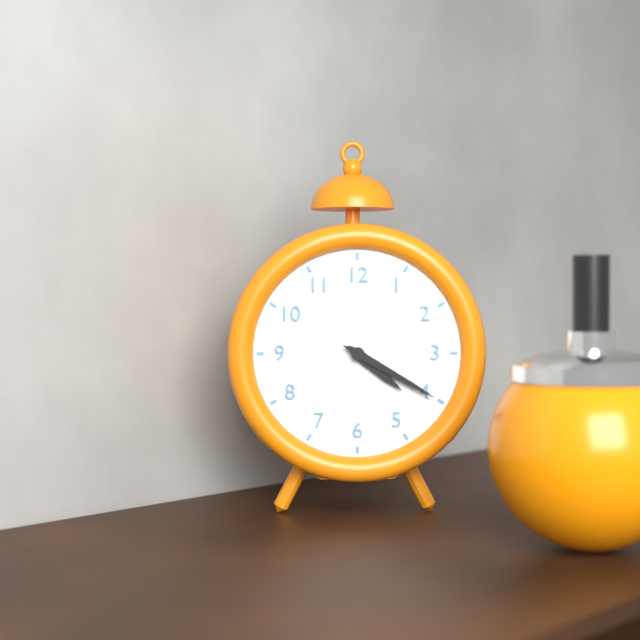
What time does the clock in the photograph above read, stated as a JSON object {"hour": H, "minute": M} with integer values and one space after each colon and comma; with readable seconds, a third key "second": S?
{"hour": 4, "minute": 20}
